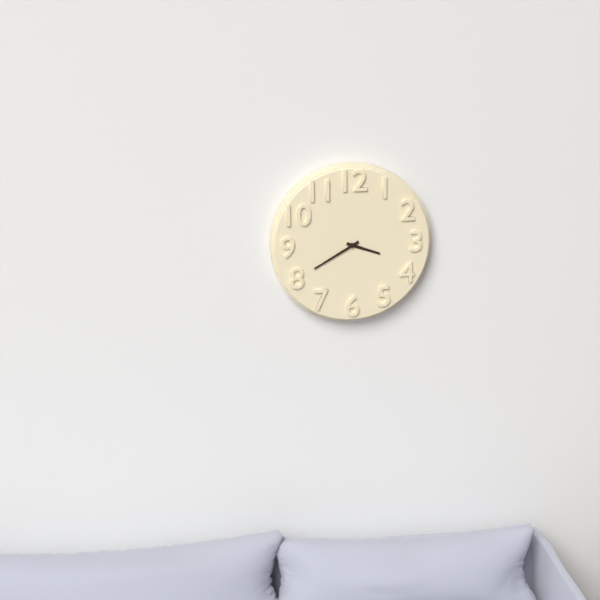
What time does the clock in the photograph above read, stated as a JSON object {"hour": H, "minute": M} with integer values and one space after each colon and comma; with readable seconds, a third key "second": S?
{"hour": 3, "minute": 40}
